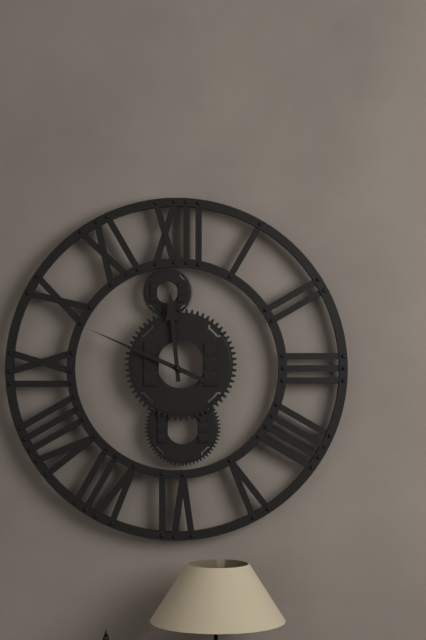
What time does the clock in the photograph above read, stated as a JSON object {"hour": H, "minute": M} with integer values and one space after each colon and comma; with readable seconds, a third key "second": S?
{"hour": 11, "minute": 49}
